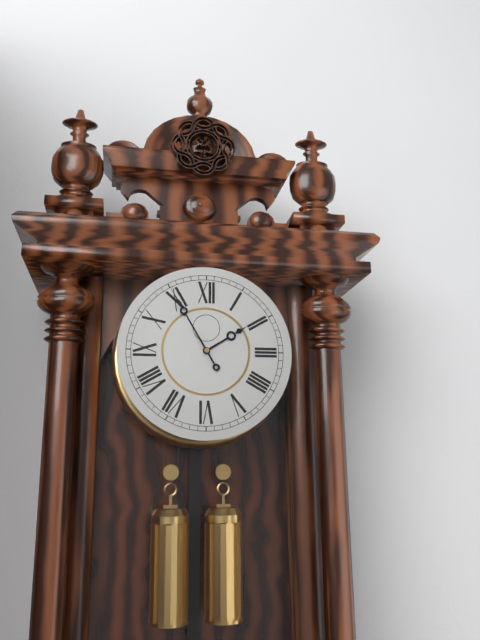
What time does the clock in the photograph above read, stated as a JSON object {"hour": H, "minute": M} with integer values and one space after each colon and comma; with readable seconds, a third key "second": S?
{"hour": 1, "minute": 55}
